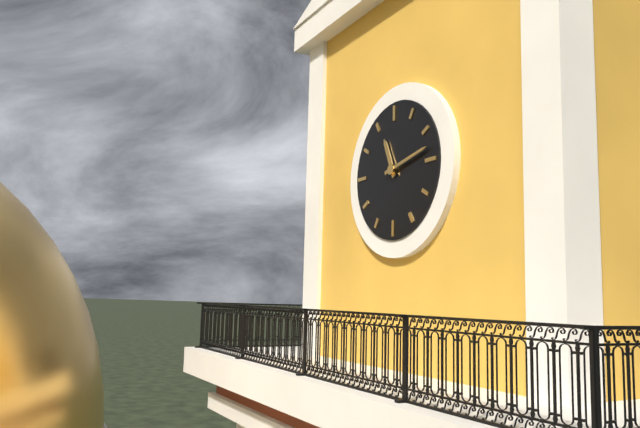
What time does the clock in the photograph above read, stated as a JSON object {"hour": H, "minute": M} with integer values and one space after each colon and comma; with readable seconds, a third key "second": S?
{"hour": 11, "minute": 13}
